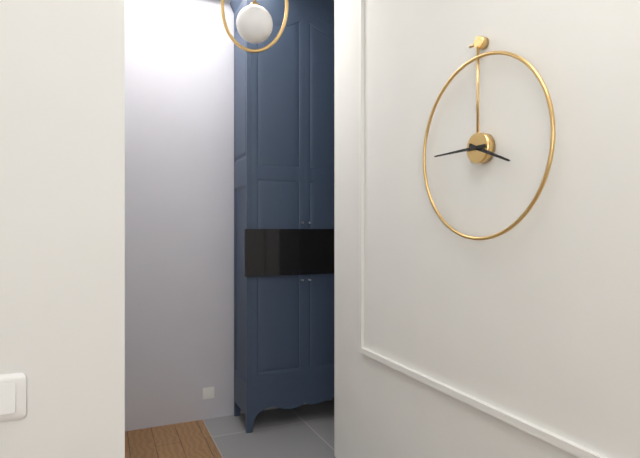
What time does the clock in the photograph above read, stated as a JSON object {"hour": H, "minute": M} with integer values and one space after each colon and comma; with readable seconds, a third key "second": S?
{"hour": 3, "minute": 45}
